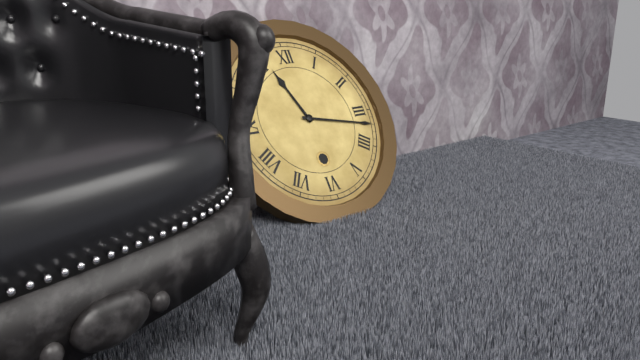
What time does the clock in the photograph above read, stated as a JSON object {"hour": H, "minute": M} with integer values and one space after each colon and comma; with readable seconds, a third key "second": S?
{"hour": 11, "minute": 17}
